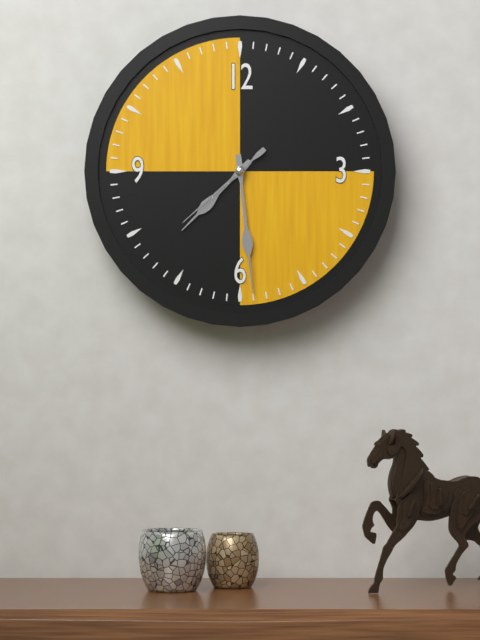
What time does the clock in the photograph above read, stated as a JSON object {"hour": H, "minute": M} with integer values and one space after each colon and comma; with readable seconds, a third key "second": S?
{"hour": 7, "minute": 29, "second": 38}
